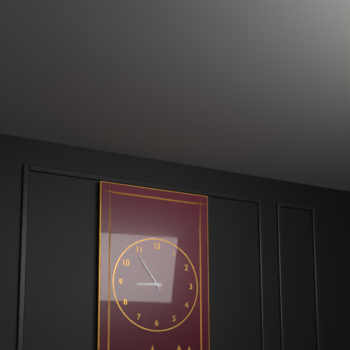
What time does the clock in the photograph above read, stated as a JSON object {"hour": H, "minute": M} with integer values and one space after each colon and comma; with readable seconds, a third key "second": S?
{"hour": 8, "minute": 54}
